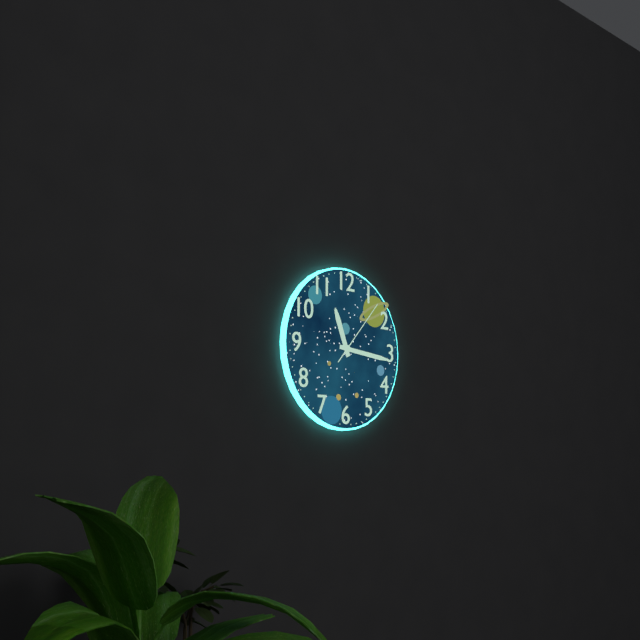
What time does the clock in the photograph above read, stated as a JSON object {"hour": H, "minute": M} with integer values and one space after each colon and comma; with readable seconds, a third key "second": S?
{"hour": 11, "minute": 16, "second": 7}
